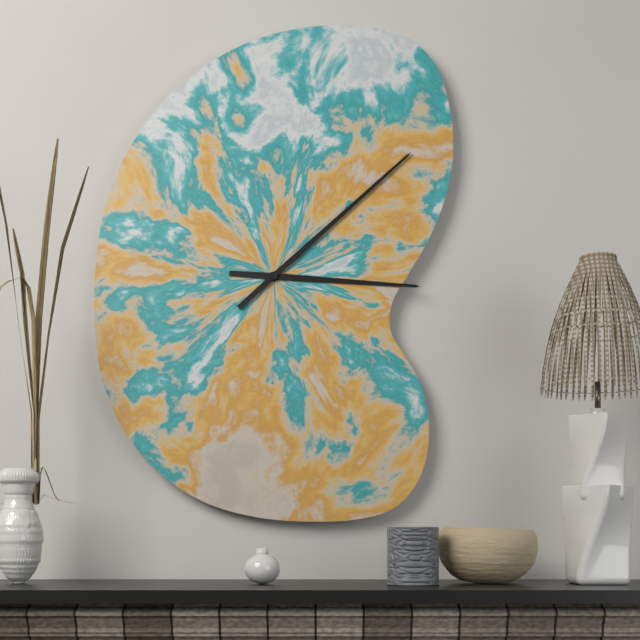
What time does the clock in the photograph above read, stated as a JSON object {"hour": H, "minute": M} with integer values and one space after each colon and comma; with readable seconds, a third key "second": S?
{"hour": 3, "minute": 8}
